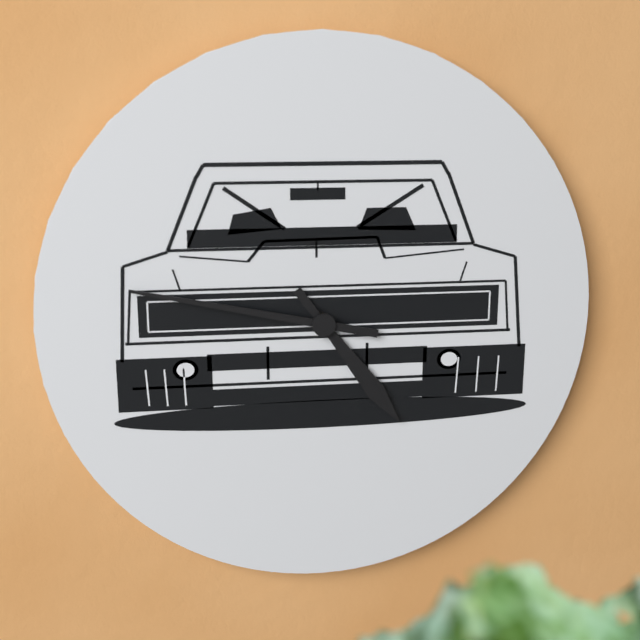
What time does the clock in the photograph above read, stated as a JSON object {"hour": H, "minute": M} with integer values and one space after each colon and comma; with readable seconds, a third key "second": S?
{"hour": 4, "minute": 47}
